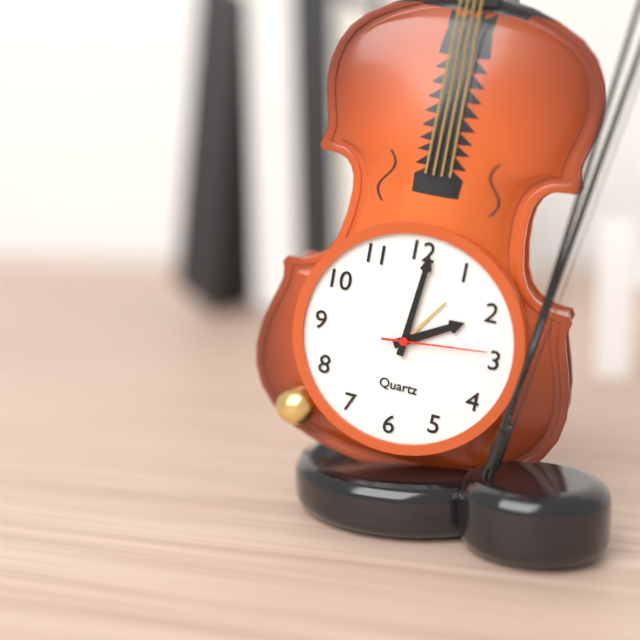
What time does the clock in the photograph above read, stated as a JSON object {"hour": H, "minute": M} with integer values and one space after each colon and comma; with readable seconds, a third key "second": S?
{"hour": 2, "minute": 1, "second": 14}
